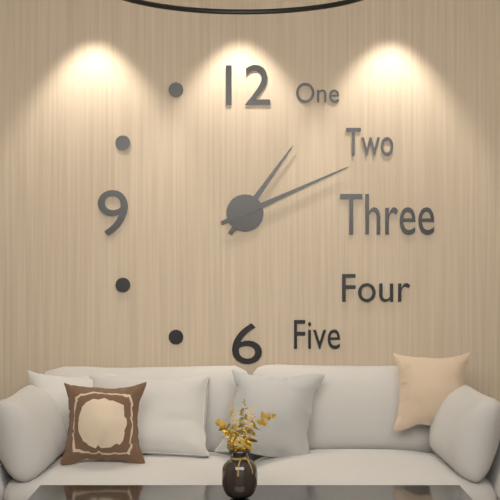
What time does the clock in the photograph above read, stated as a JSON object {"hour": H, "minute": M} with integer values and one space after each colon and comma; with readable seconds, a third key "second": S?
{"hour": 1, "minute": 11}
